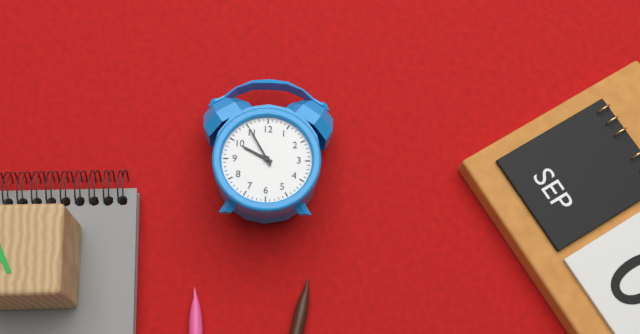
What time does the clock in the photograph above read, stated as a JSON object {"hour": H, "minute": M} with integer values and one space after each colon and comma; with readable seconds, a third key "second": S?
{"hour": 9, "minute": 55}
